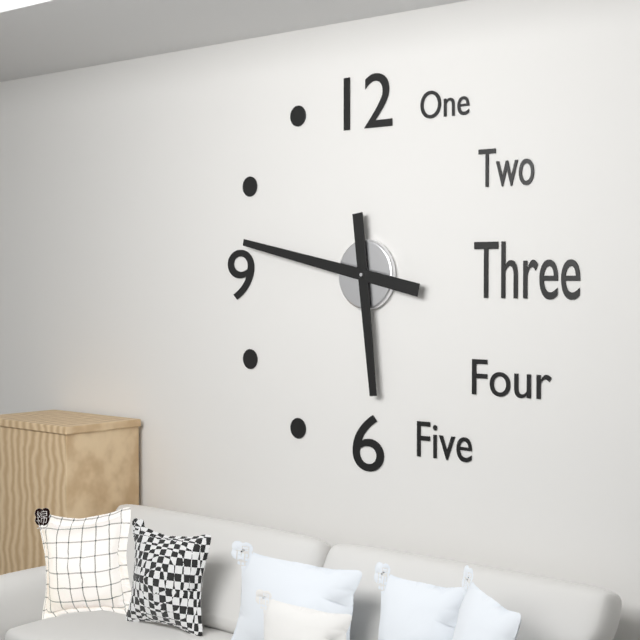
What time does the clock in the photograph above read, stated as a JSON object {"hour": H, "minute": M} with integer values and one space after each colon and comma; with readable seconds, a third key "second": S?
{"hour": 5, "minute": 47}
